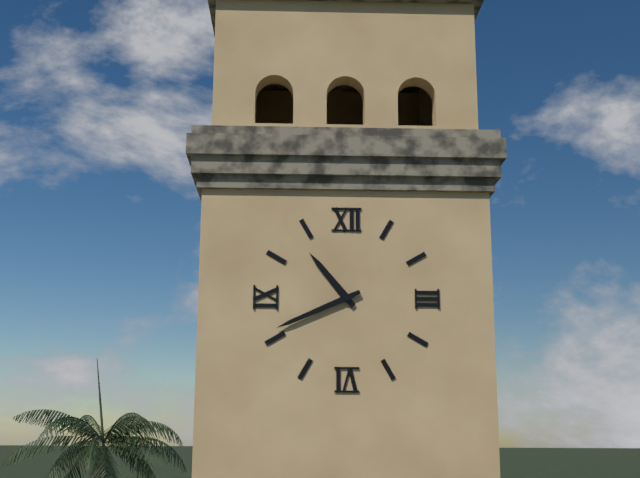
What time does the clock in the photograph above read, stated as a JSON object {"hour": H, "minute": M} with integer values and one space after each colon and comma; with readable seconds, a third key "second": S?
{"hour": 10, "minute": 41}
